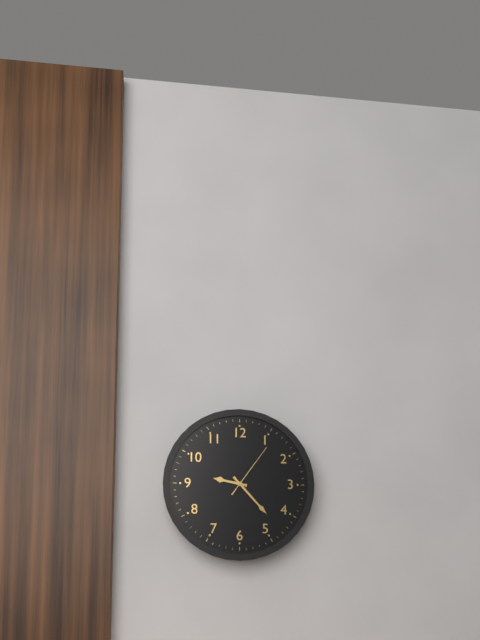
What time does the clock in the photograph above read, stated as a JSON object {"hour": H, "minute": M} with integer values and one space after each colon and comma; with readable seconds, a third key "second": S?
{"hour": 9, "minute": 23, "second": 6}
